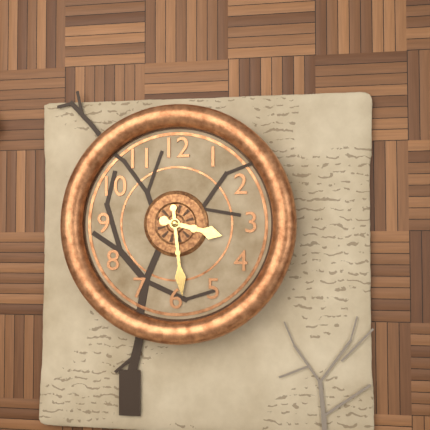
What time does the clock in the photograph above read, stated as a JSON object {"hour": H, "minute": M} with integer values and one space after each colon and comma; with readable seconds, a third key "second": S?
{"hour": 3, "minute": 29}
